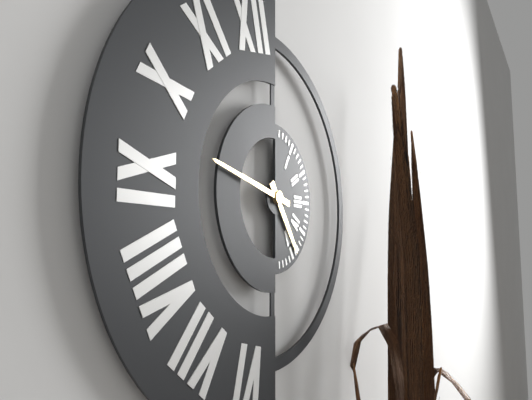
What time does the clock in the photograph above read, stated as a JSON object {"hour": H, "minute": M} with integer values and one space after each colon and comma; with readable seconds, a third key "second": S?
{"hour": 4, "minute": 47}
